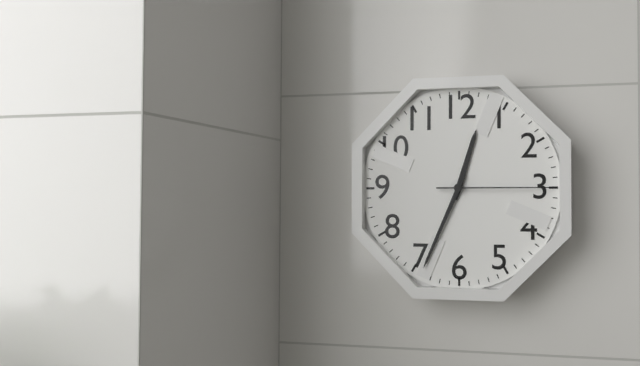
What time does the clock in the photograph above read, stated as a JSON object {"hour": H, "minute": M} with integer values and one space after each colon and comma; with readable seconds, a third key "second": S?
{"hour": 12, "minute": 34, "second": 15}
